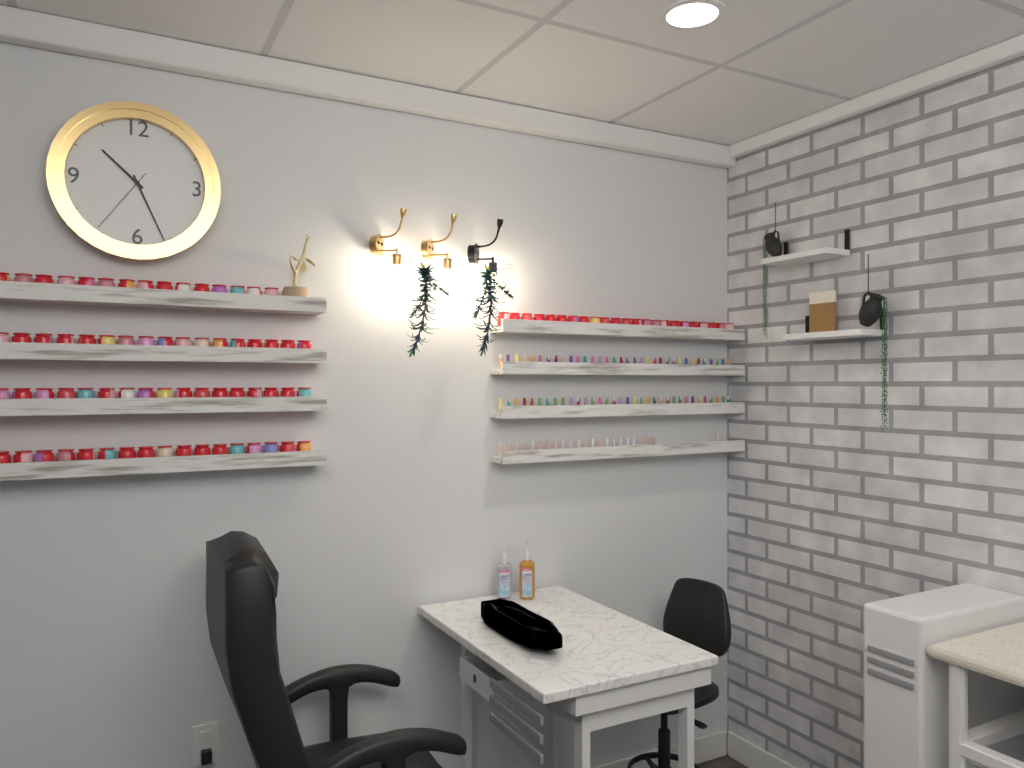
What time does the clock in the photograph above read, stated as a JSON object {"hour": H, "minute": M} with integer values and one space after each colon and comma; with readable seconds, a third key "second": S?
{"hour": 10, "minute": 26, "second": 36}
